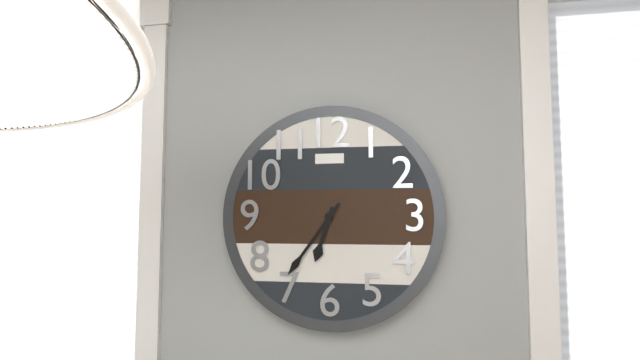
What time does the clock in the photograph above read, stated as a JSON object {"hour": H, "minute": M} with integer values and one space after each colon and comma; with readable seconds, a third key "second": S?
{"hour": 6, "minute": 36}
